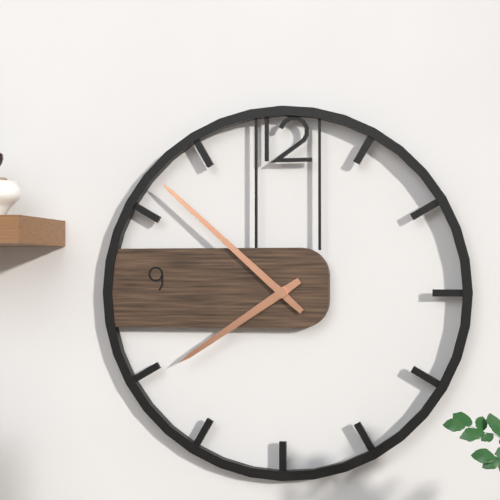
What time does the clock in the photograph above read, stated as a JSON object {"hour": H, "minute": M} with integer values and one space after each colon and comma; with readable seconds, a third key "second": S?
{"hour": 7, "minute": 52}
